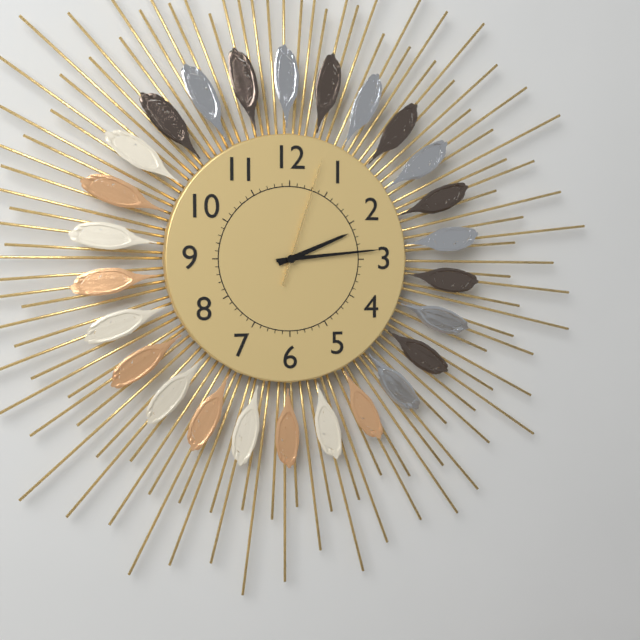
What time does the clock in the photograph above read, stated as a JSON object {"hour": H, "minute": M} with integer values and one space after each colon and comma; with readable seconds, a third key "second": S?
{"hour": 2, "minute": 14, "second": 3}
